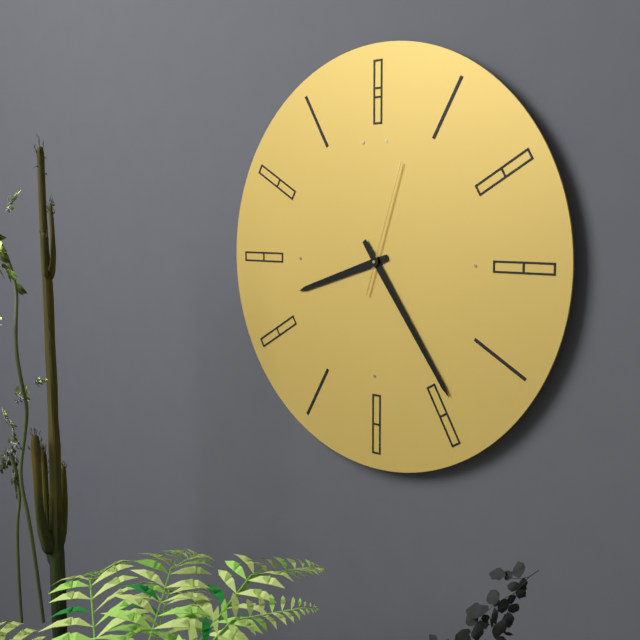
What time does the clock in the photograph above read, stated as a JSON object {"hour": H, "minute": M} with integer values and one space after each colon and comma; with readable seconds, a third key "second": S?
{"hour": 8, "minute": 24, "second": 3}
